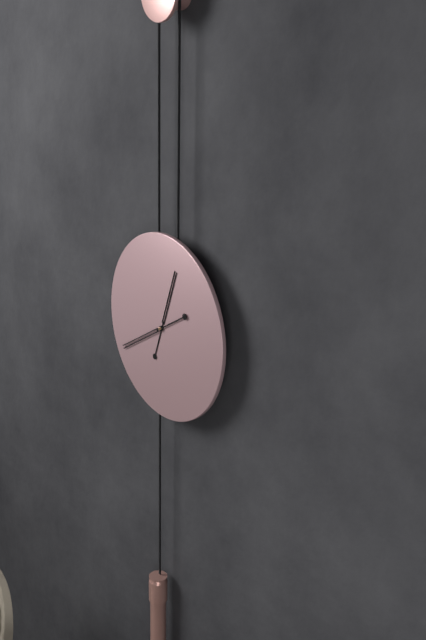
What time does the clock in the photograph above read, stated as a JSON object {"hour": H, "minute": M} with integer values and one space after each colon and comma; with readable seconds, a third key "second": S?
{"hour": 12, "minute": 40}
